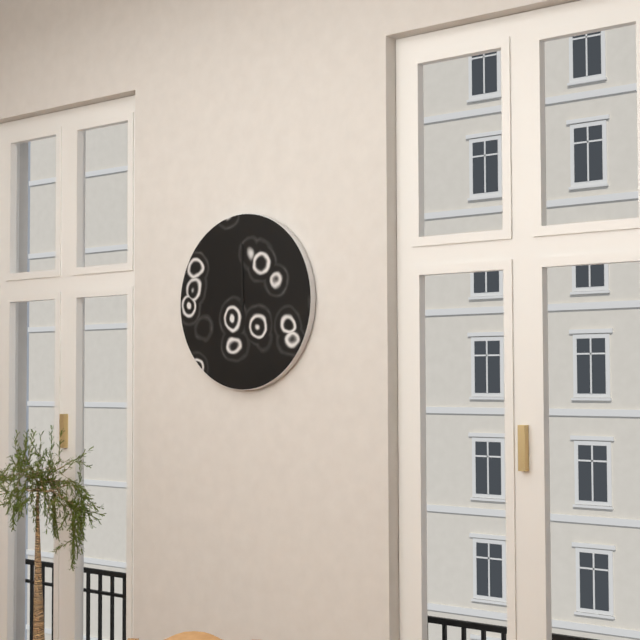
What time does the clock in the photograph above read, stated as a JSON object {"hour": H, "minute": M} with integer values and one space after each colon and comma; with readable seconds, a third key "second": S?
{"hour": 12, "minute": 0}
